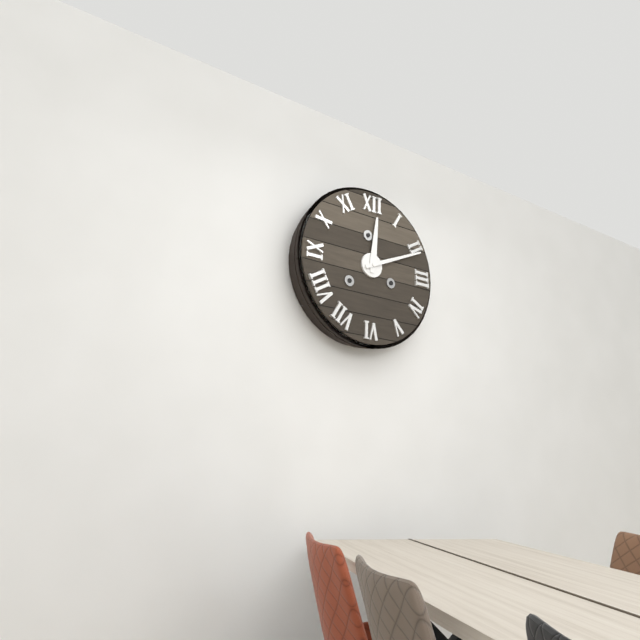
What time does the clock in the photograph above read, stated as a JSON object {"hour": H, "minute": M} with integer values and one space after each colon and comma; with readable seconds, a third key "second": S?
{"hour": 12, "minute": 11}
